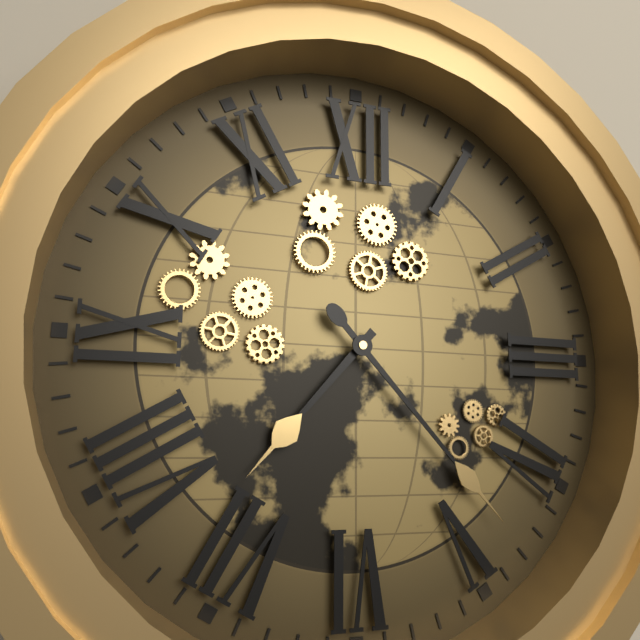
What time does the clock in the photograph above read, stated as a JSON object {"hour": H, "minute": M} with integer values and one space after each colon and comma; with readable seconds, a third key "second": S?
{"hour": 7, "minute": 23}
